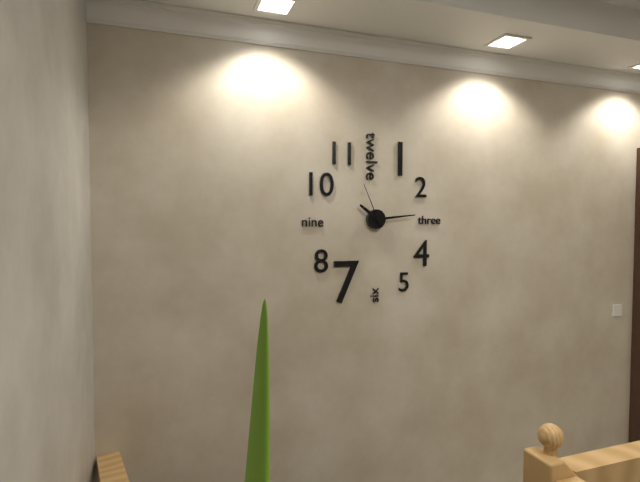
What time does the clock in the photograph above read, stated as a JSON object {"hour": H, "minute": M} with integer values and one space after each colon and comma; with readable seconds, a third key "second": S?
{"hour": 10, "minute": 14}
